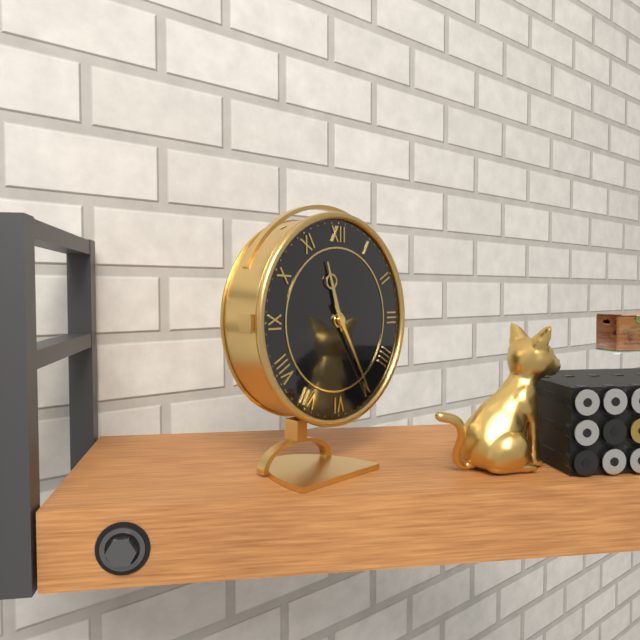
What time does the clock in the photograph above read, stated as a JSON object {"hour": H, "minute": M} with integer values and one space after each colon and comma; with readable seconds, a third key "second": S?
{"hour": 11, "minute": 25}
